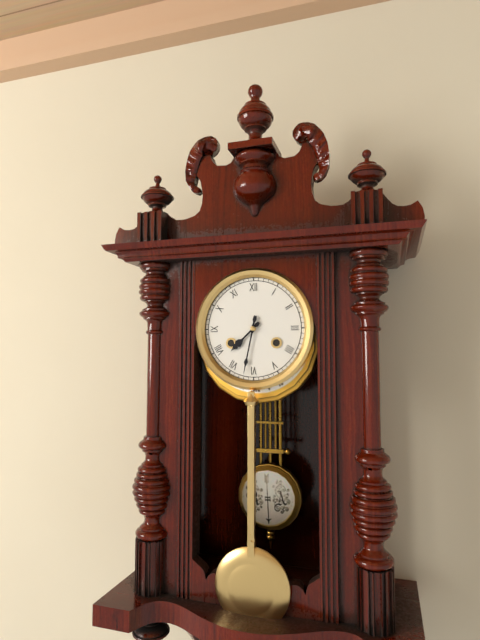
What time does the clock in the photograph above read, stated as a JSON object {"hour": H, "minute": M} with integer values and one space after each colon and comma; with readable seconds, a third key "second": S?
{"hour": 7, "minute": 32}
